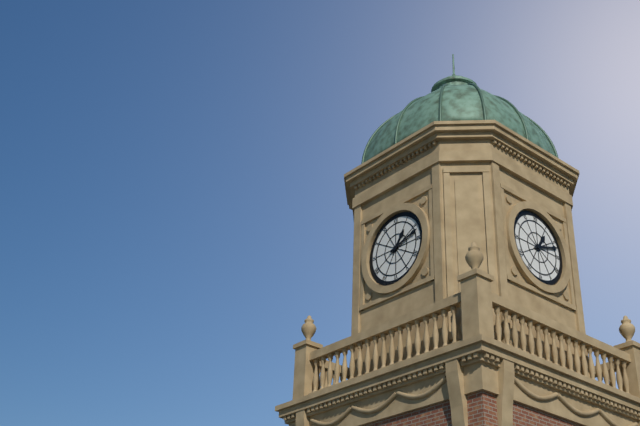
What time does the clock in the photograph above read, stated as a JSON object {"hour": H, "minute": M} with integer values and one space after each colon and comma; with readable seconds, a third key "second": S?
{"hour": 1, "minute": 12}
